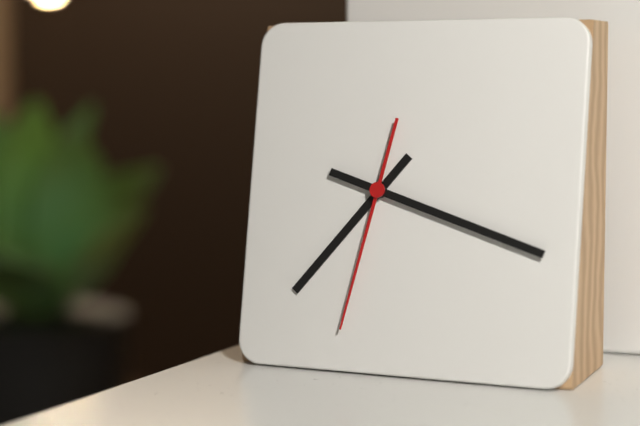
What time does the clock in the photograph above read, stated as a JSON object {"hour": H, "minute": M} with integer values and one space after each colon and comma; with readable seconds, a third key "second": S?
{"hour": 7, "minute": 18, "second": 32}
